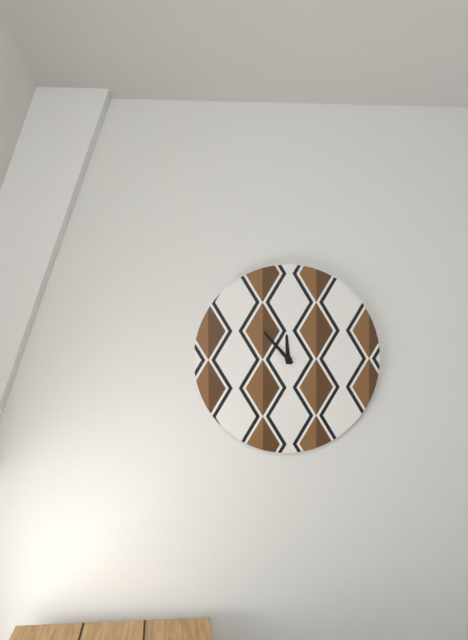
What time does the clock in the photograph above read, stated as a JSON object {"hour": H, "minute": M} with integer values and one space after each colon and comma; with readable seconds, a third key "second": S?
{"hour": 11, "minute": 53}
